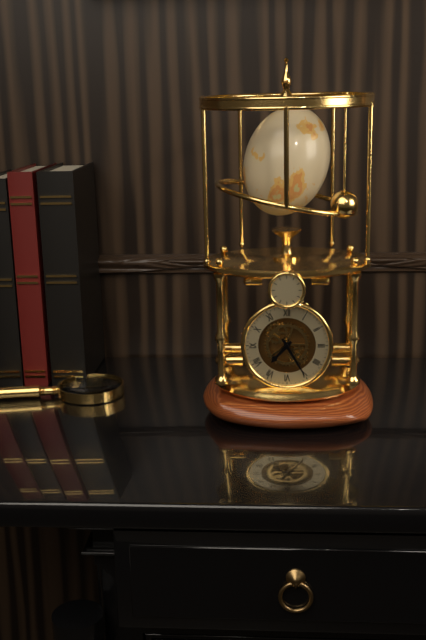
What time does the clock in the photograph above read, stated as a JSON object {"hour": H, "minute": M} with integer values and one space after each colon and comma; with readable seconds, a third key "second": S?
{"hour": 7, "minute": 25}
